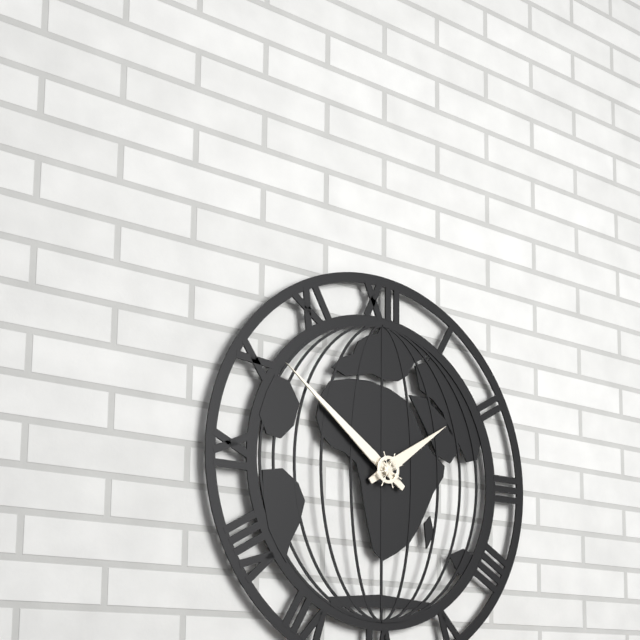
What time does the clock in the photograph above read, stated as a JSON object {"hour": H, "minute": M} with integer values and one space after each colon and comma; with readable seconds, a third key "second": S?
{"hour": 1, "minute": 51}
